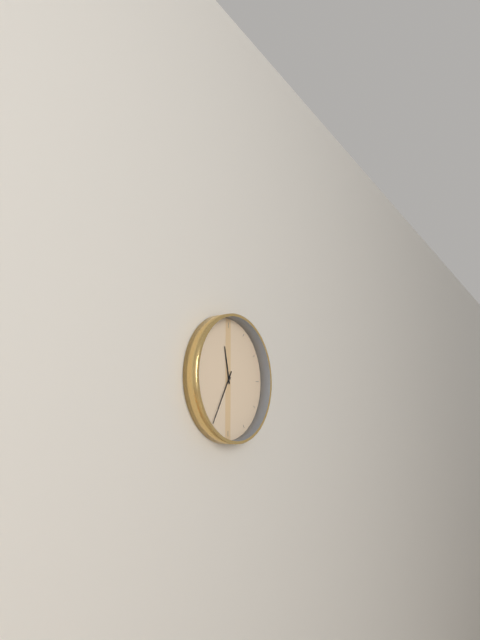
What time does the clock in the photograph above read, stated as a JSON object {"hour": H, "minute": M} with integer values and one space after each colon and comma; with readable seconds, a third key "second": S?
{"hour": 11, "minute": 35}
